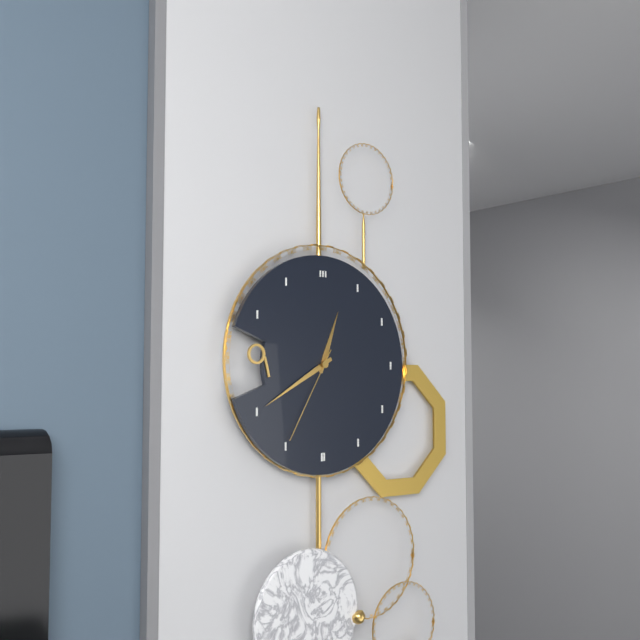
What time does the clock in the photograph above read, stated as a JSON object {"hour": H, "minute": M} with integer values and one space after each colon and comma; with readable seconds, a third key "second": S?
{"hour": 12, "minute": 40, "second": 35}
